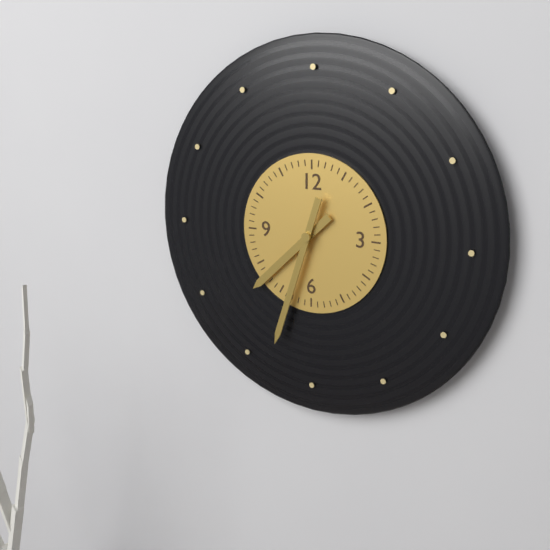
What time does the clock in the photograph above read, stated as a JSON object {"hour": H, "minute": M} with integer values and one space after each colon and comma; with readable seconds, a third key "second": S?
{"hour": 7, "minute": 33}
